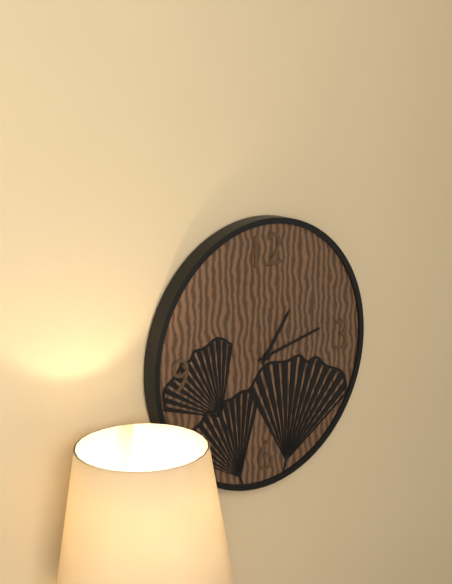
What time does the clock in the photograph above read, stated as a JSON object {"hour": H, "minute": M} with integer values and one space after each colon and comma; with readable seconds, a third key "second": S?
{"hour": 1, "minute": 13}
